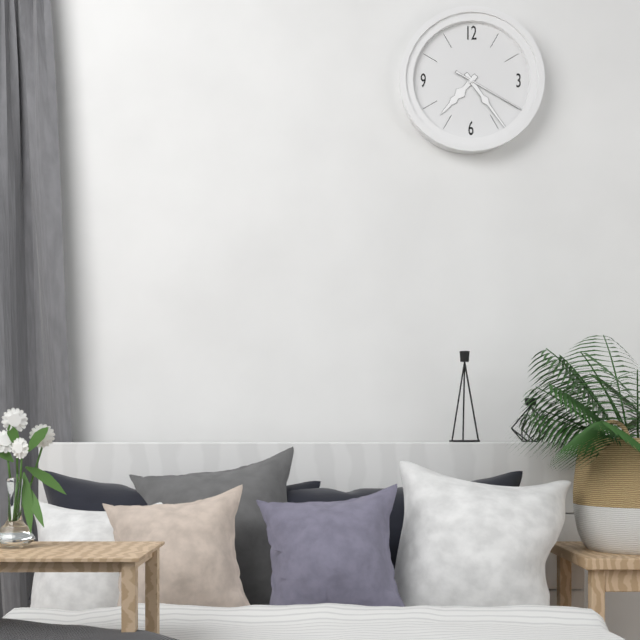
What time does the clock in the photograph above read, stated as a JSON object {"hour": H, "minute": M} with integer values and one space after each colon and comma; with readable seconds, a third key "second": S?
{"hour": 7, "minute": 24, "second": 20}
